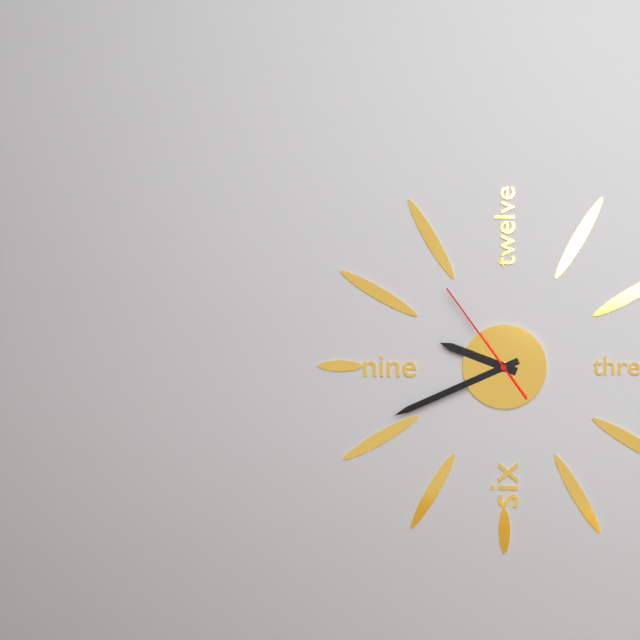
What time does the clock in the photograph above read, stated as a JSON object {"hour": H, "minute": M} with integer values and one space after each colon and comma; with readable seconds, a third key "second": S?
{"hour": 9, "minute": 41, "second": 54}
